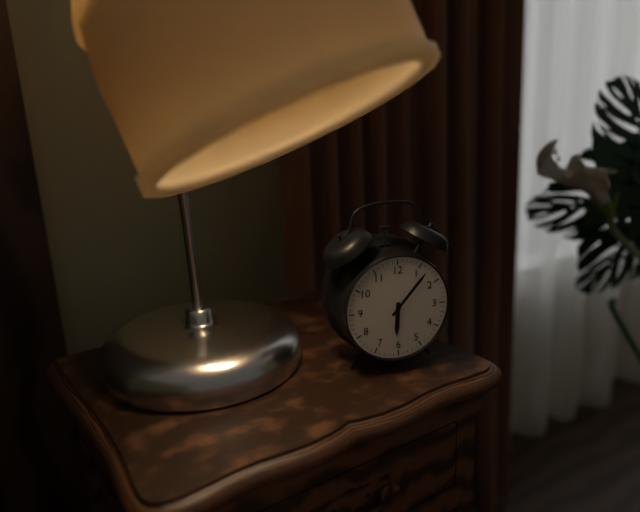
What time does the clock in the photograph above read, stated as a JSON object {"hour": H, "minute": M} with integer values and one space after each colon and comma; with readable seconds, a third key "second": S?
{"hour": 6, "minute": 7}
